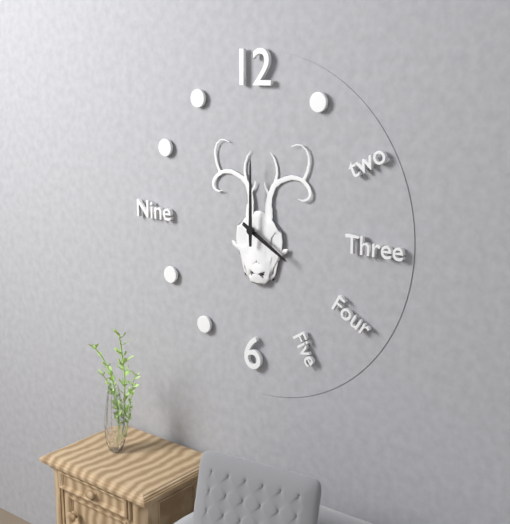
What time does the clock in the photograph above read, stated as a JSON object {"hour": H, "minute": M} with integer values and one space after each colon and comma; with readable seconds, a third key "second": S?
{"hour": 4, "minute": 0}
